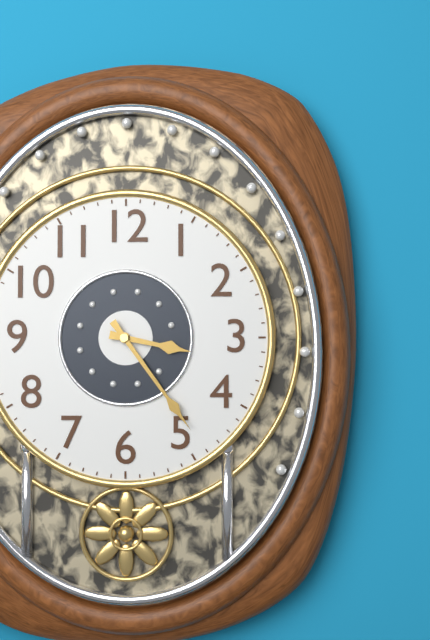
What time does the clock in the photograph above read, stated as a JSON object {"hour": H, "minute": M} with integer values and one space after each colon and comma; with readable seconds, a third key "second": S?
{"hour": 3, "minute": 24}
